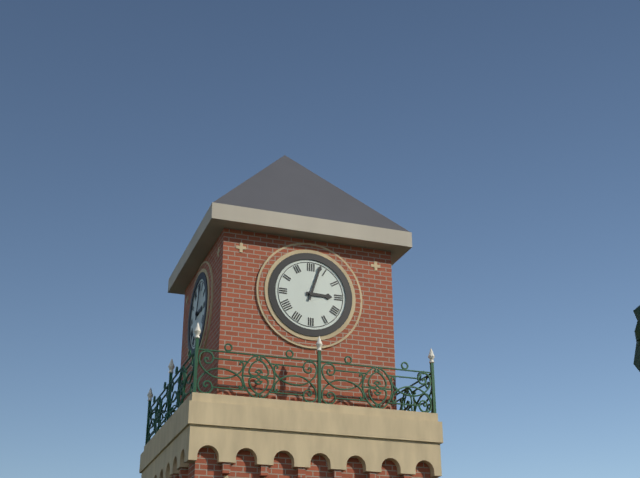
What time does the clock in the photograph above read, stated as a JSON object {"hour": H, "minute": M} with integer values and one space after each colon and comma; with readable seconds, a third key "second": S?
{"hour": 3, "minute": 3}
